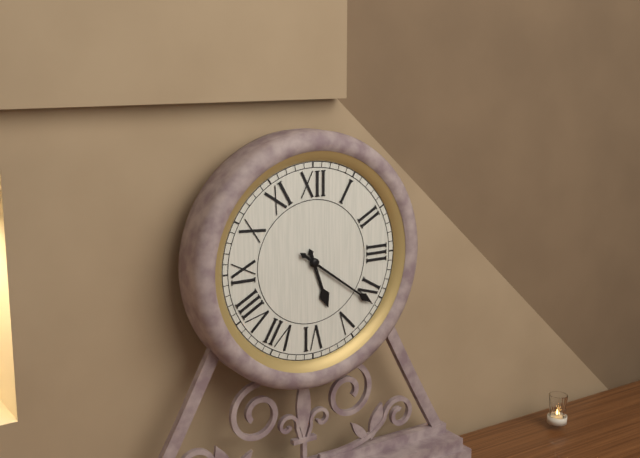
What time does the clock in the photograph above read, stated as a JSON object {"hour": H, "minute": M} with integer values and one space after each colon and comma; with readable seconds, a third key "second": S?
{"hour": 5, "minute": 21}
